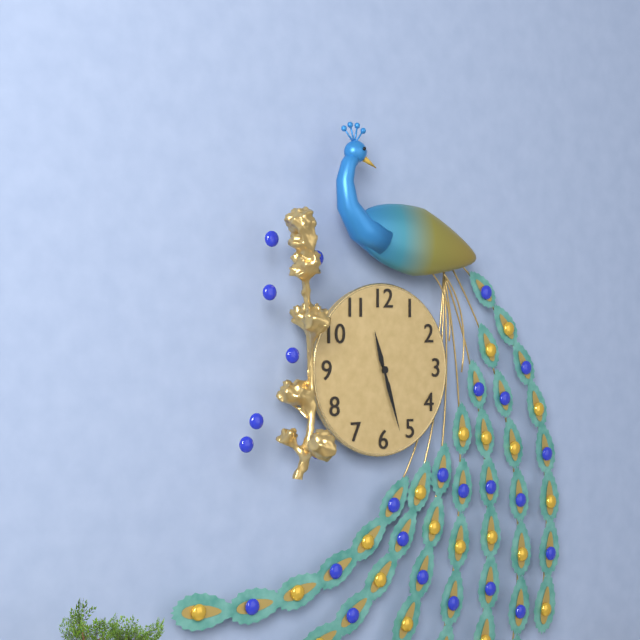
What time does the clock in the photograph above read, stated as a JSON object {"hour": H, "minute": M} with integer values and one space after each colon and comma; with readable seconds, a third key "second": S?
{"hour": 11, "minute": 27}
